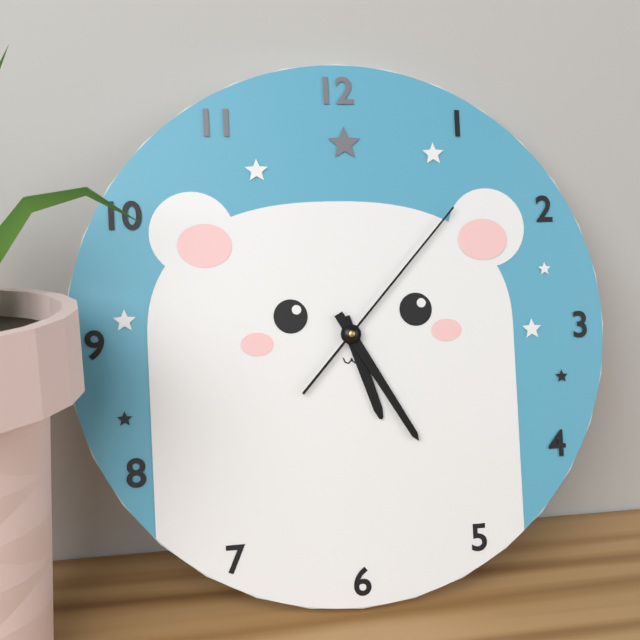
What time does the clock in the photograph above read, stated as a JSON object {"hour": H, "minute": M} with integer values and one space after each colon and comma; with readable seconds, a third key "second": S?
{"hour": 5, "minute": 25, "second": 7}
